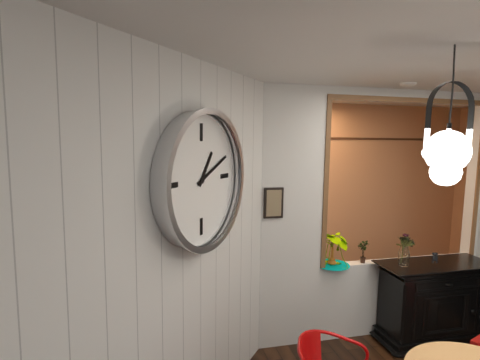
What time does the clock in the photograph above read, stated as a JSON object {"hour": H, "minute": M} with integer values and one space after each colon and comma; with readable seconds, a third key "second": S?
{"hour": 1, "minute": 11}
